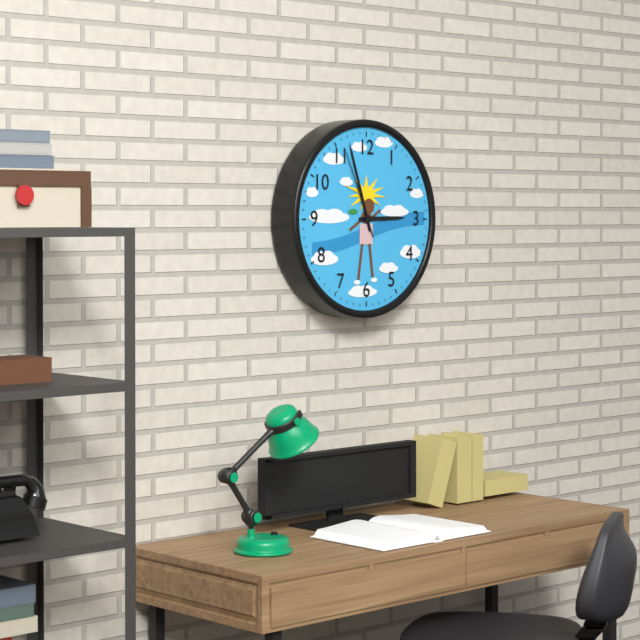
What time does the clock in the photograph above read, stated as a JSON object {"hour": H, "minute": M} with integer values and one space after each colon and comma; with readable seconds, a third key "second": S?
{"hour": 2, "minute": 57, "second": 56}
